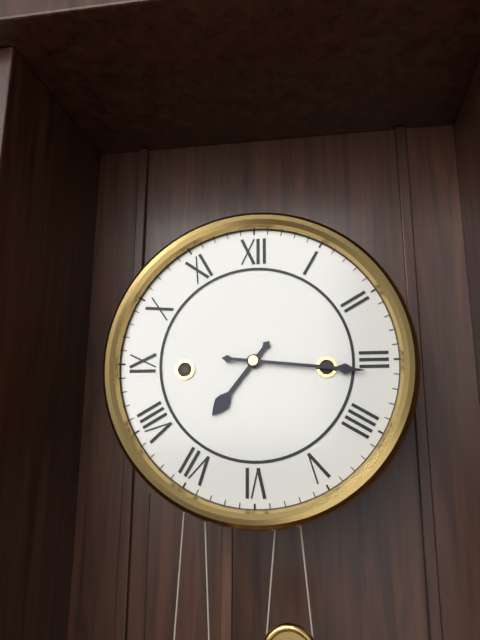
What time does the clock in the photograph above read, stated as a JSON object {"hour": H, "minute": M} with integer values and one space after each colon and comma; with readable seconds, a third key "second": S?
{"hour": 7, "minute": 16}
